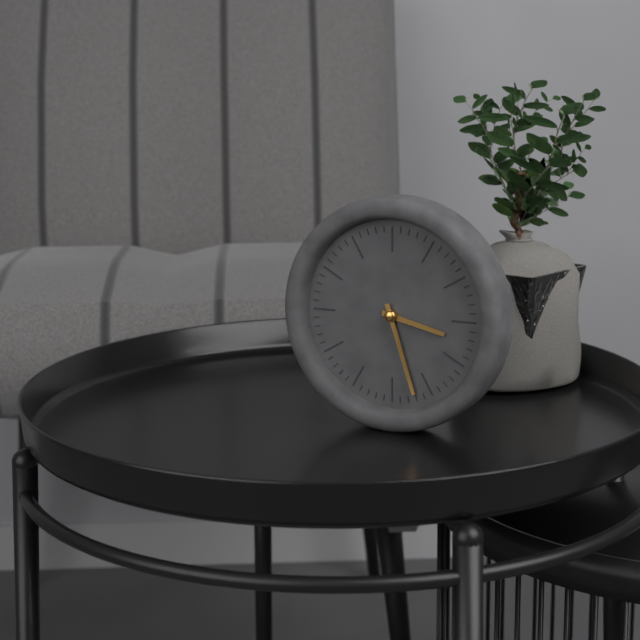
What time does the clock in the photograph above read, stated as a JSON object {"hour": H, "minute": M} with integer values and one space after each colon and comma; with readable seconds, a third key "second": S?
{"hour": 3, "minute": 27}
